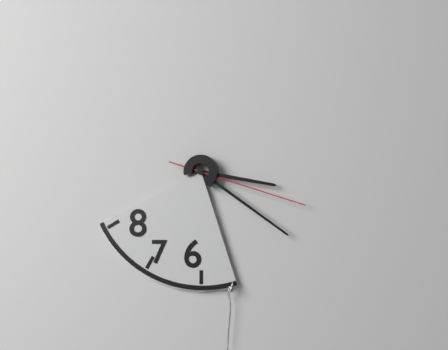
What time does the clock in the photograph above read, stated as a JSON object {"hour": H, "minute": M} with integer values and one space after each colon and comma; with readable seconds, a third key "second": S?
{"hour": 3, "minute": 21, "second": 18}
